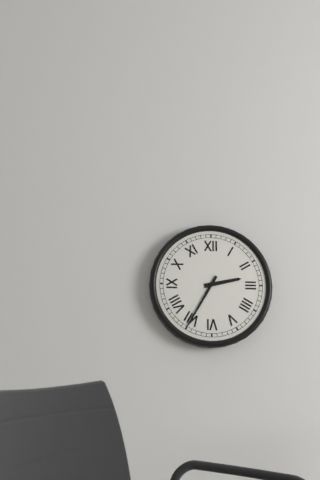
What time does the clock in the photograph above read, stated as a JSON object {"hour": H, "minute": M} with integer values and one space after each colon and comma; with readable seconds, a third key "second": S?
{"hour": 2, "minute": 35}
